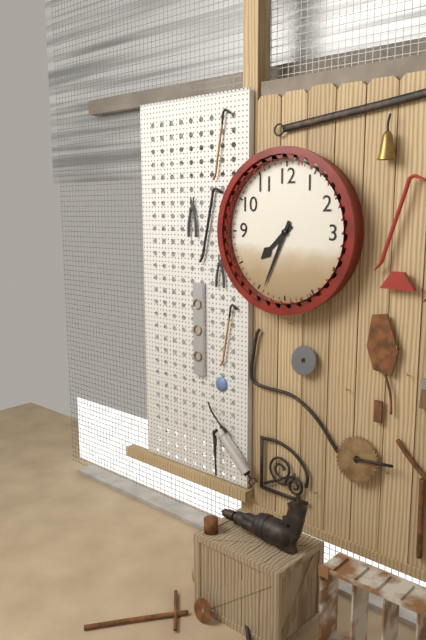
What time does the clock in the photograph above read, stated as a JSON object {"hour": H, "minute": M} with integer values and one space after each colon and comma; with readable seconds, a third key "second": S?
{"hour": 7, "minute": 34}
